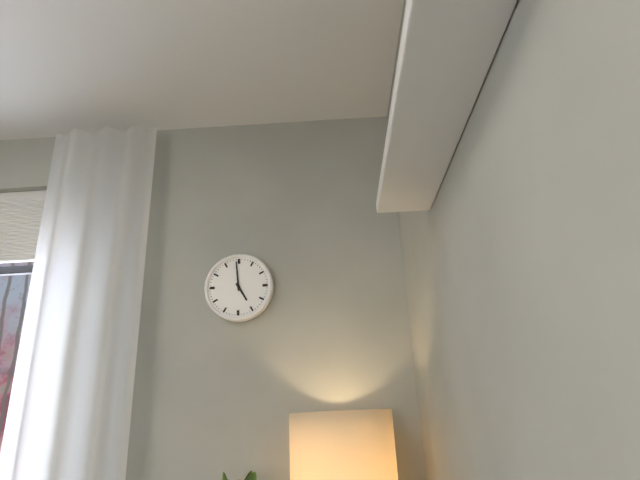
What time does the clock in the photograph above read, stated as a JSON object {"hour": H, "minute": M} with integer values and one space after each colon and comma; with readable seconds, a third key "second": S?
{"hour": 4, "minute": 59}
